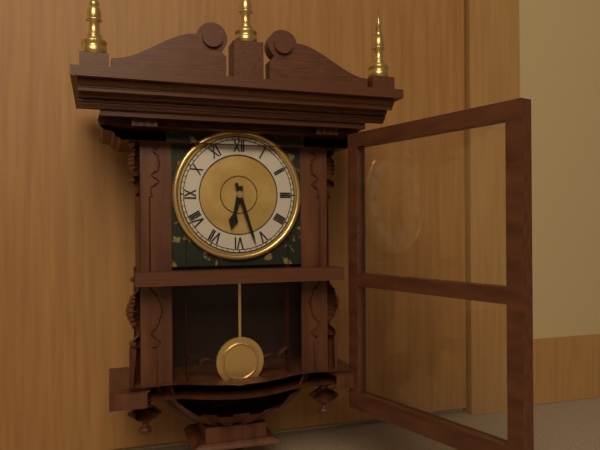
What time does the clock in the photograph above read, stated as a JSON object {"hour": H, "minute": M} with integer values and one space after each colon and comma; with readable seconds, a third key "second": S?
{"hour": 6, "minute": 27}
